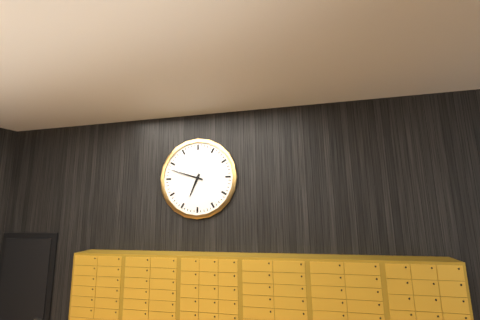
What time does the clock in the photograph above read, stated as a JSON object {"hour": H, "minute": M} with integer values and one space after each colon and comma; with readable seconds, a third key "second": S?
{"hour": 6, "minute": 48}
